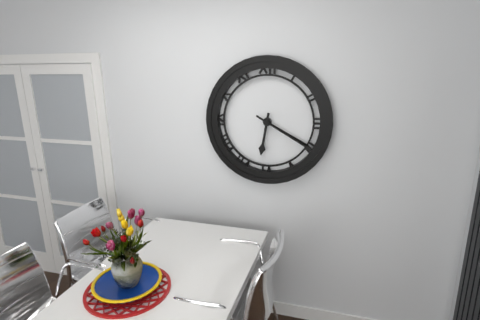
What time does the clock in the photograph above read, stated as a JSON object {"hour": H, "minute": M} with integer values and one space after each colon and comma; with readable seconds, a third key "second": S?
{"hour": 6, "minute": 20}
